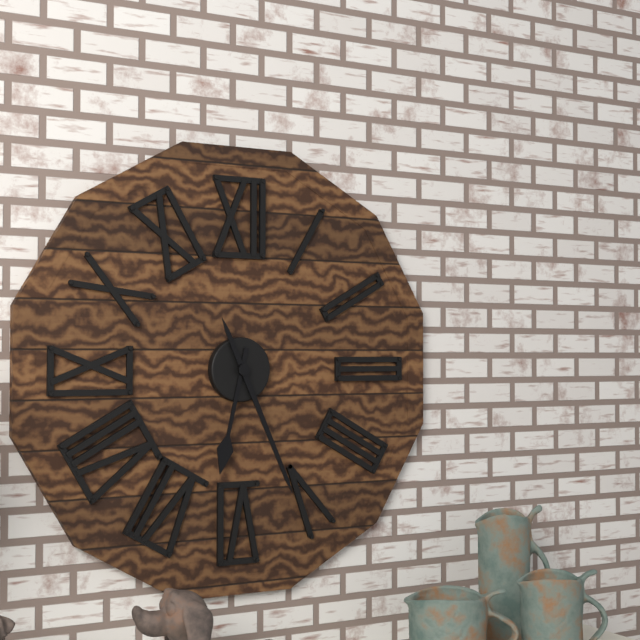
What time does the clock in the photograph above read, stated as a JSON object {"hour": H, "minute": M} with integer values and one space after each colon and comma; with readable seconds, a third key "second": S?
{"hour": 6, "minute": 26}
